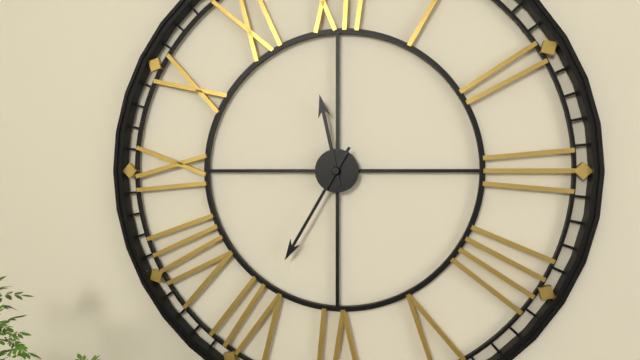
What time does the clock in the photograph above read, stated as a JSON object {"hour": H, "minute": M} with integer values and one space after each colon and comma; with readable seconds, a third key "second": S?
{"hour": 11, "minute": 35}
